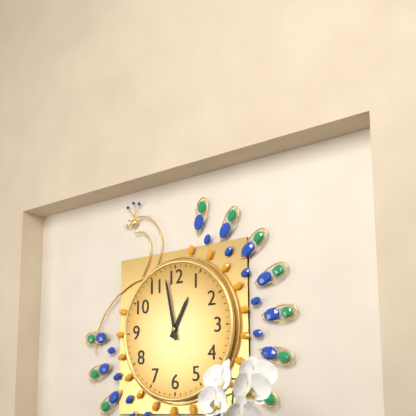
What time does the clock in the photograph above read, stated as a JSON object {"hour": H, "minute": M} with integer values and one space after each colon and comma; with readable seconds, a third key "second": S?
{"hour": 12, "minute": 58}
